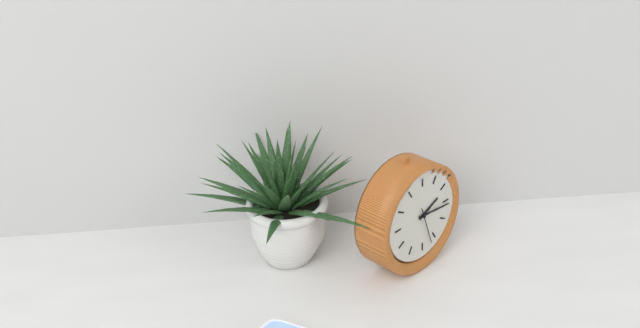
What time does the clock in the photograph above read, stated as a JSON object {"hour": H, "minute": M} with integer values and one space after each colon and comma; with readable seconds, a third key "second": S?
{"hour": 2, "minute": 16, "second": 27}
